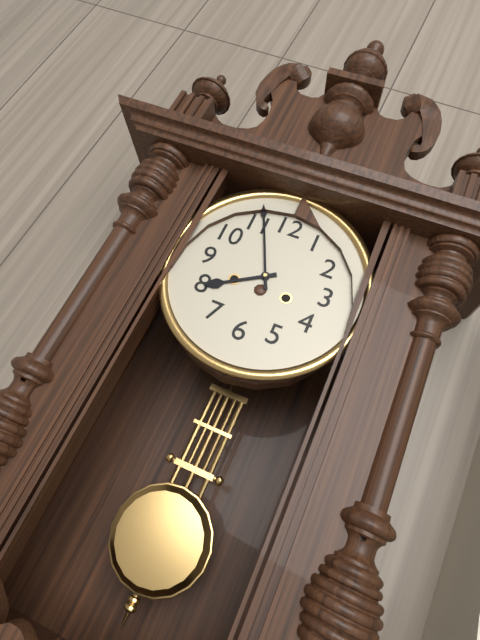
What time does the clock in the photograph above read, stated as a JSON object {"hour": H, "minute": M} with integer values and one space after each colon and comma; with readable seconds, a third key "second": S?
{"hour": 7, "minute": 56}
